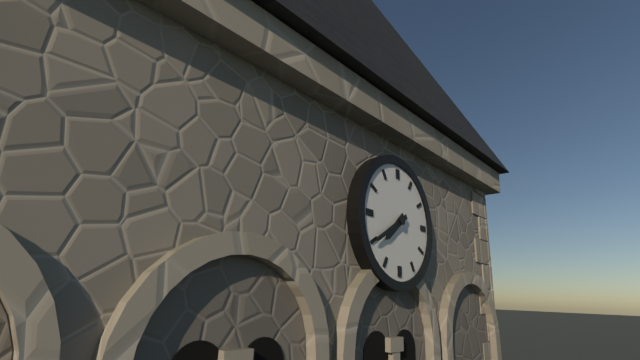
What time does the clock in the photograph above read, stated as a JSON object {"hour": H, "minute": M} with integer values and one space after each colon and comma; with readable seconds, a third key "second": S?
{"hour": 7, "minute": 40}
